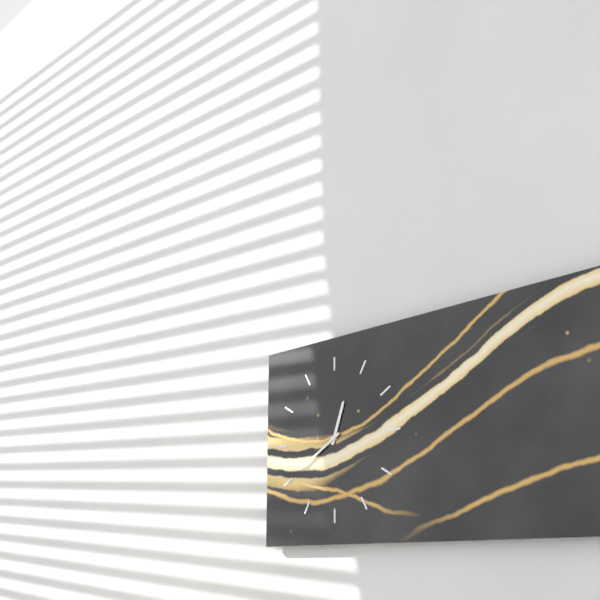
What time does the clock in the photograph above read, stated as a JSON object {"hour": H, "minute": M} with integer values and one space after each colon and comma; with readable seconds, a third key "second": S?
{"hour": 12, "minute": 40}
